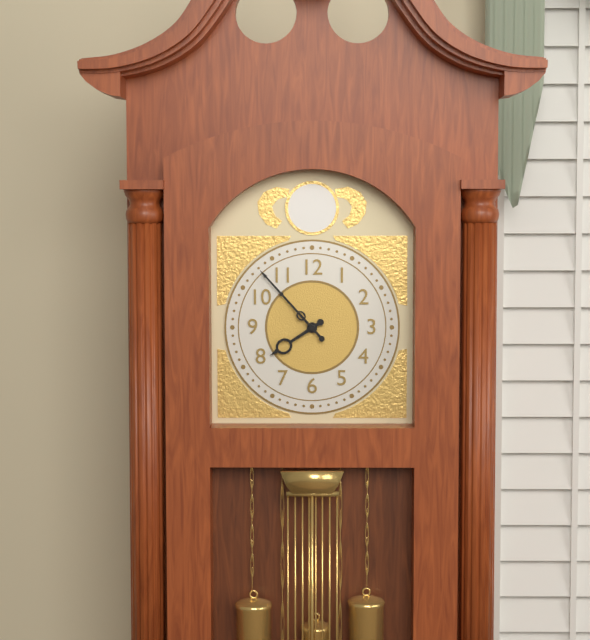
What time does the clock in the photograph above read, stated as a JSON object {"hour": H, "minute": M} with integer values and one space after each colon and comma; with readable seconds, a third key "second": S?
{"hour": 7, "minute": 53}
